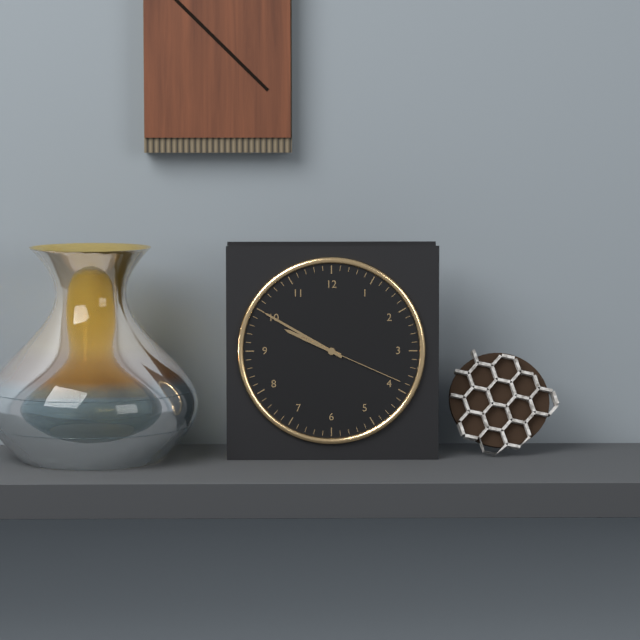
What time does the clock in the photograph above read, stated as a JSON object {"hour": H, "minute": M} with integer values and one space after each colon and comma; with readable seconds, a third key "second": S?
{"hour": 9, "minute": 50, "second": 19}
